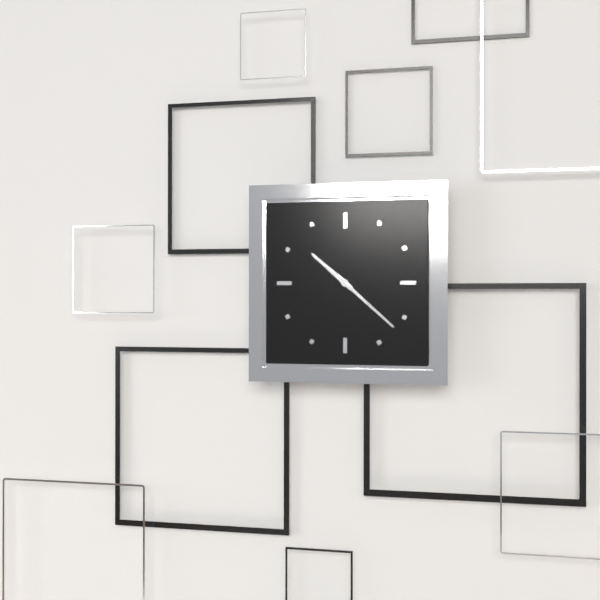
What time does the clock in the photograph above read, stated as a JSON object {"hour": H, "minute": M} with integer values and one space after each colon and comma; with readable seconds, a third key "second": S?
{"hour": 10, "minute": 22}
